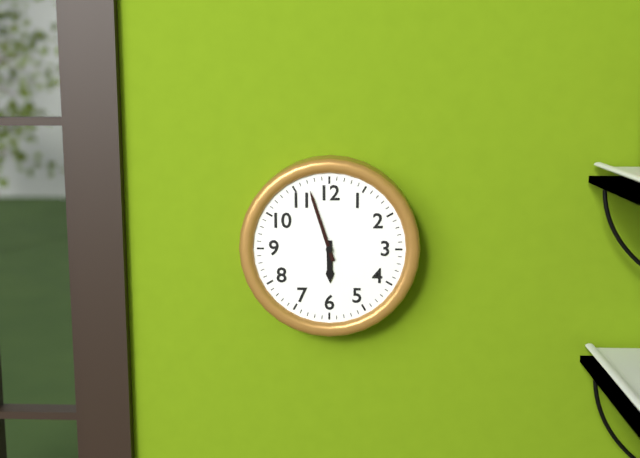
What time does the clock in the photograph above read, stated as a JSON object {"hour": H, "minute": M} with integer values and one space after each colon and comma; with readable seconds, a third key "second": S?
{"hour": 5, "minute": 57}
